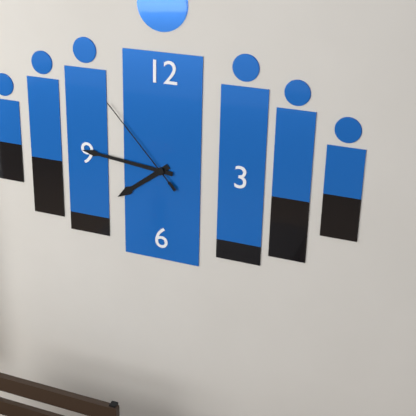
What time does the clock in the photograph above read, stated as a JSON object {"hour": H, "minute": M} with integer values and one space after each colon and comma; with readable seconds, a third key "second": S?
{"hour": 7, "minute": 46, "second": 53}
